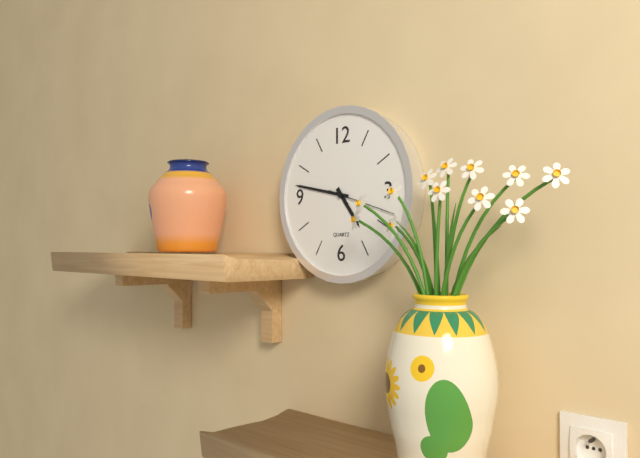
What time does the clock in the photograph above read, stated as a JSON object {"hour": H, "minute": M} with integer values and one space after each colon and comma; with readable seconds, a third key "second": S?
{"hour": 4, "minute": 47, "second": 18}
